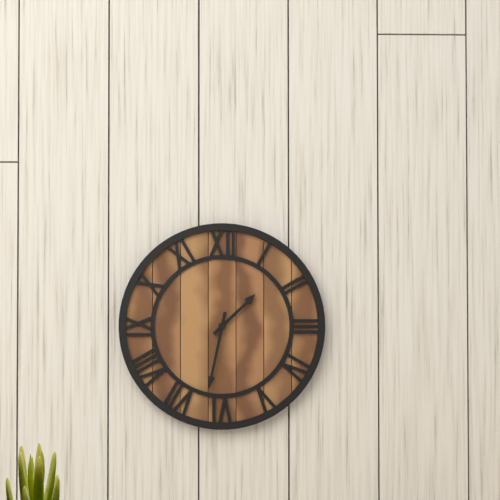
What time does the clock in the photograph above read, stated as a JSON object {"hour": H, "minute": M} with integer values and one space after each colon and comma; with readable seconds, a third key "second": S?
{"hour": 1, "minute": 32}
